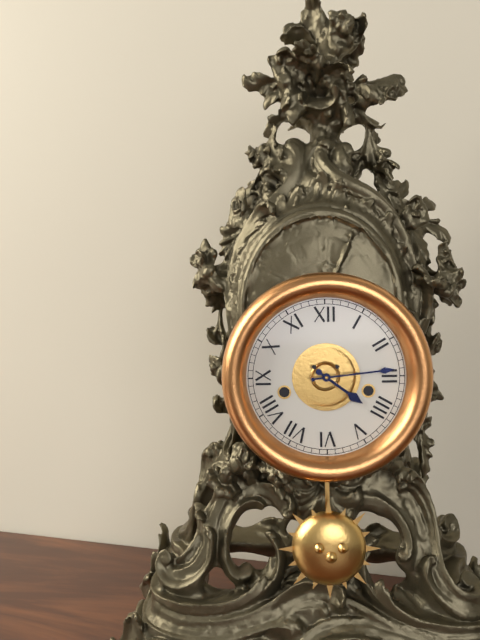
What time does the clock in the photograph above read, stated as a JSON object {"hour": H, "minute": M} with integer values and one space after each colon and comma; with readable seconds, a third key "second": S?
{"hour": 4, "minute": 14}
